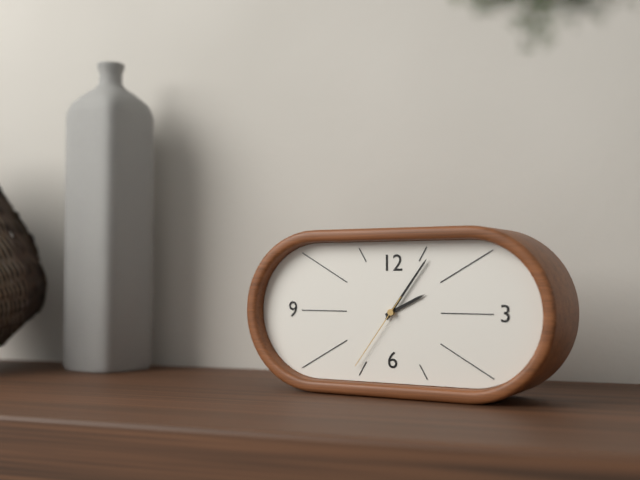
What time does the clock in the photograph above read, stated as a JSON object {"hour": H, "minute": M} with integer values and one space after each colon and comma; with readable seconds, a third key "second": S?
{"hour": 2, "minute": 6, "second": 36}
